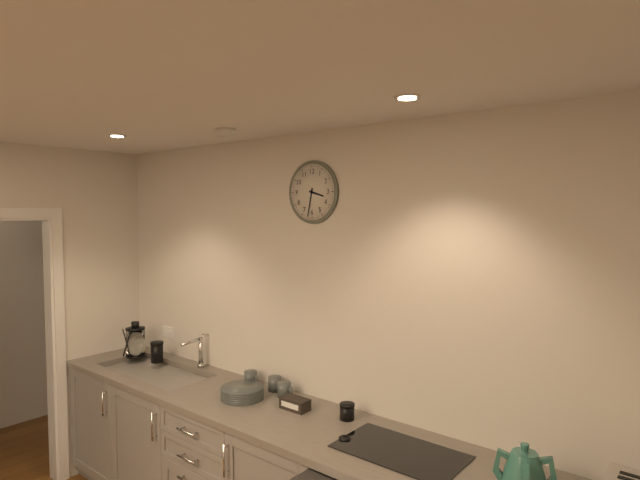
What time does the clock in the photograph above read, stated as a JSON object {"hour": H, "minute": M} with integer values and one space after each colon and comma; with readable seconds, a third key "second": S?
{"hour": 3, "minute": 32}
